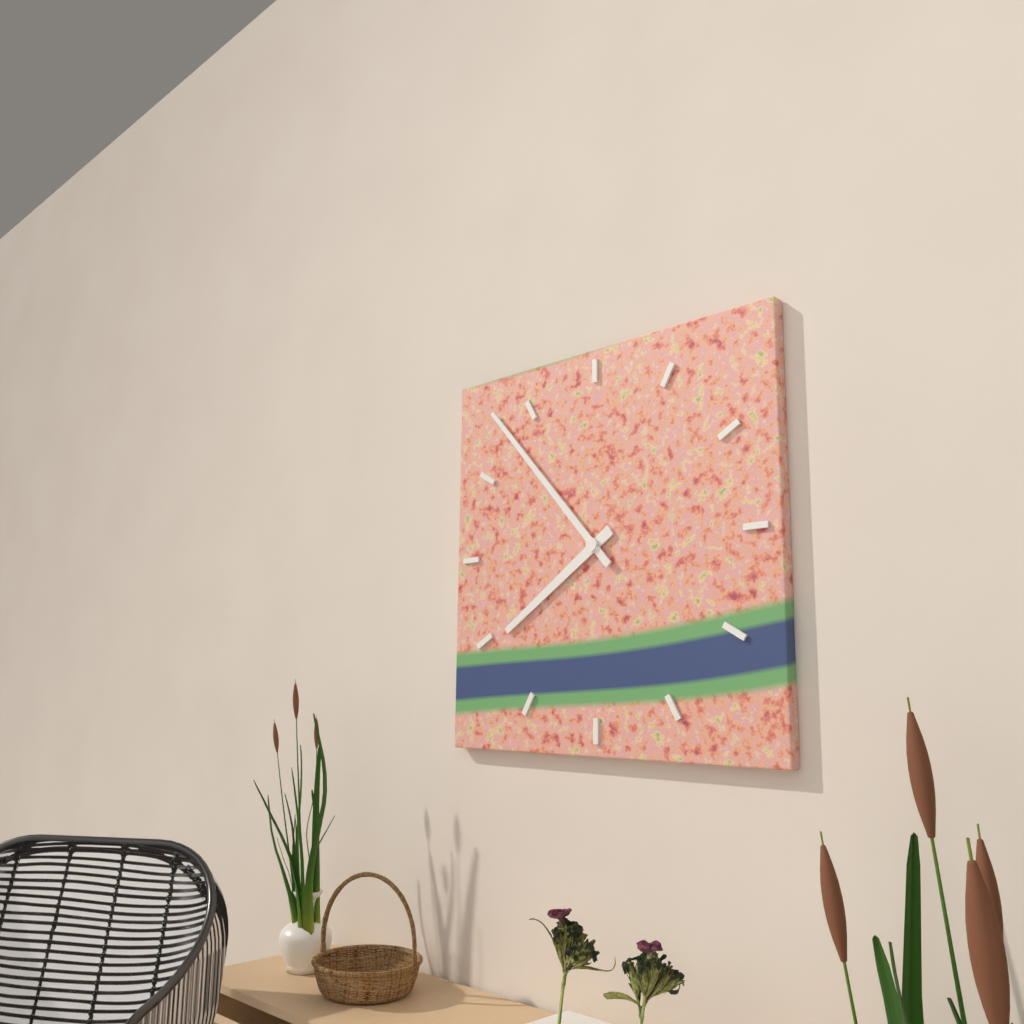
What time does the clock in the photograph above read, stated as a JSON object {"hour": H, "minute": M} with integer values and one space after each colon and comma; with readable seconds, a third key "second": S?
{"hour": 7, "minute": 53}
